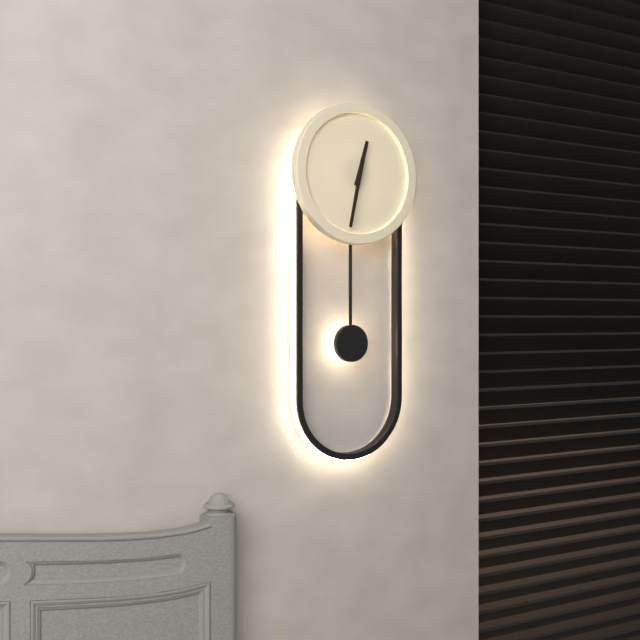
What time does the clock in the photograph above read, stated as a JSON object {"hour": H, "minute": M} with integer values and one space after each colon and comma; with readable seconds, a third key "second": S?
{"hour": 12, "minute": 32}
